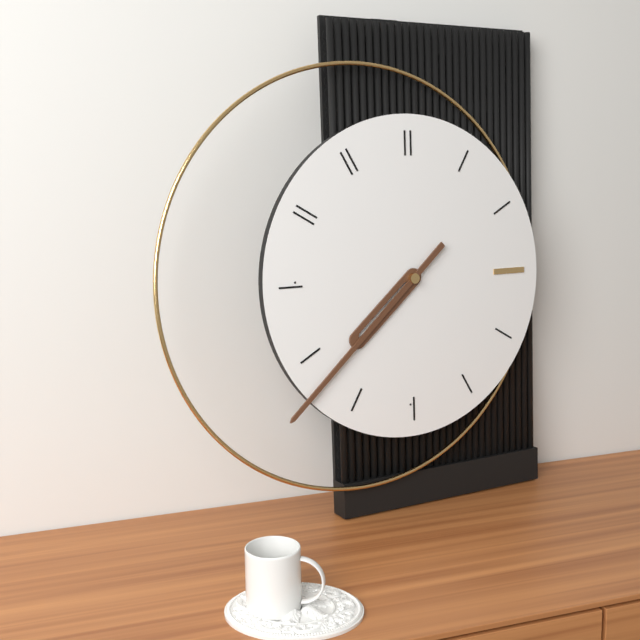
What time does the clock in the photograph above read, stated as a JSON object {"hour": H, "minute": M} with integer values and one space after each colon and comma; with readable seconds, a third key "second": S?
{"hour": 7, "minute": 38}
